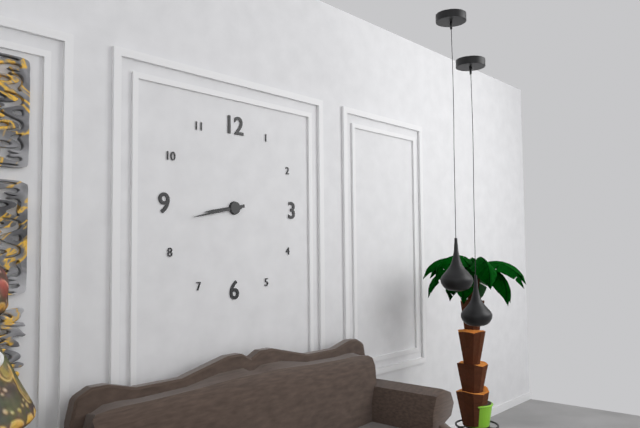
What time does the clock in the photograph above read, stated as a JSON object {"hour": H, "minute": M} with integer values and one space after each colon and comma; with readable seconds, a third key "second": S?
{"hour": 8, "minute": 43}
